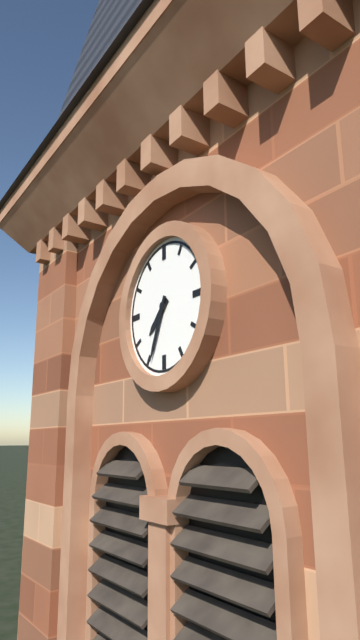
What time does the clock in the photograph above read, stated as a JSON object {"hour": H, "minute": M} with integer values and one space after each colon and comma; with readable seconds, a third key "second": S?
{"hour": 7, "minute": 34}
